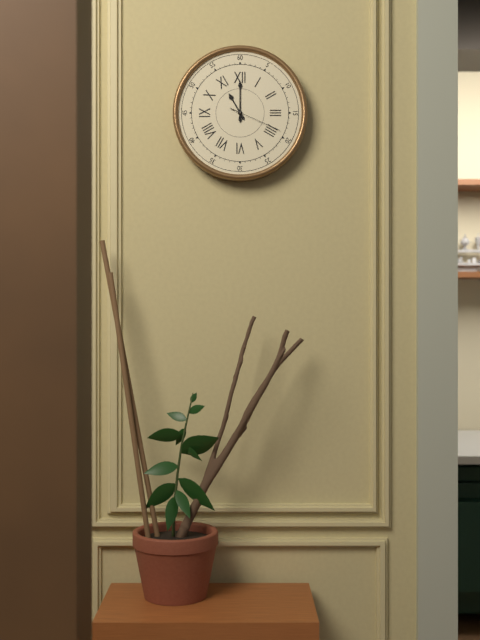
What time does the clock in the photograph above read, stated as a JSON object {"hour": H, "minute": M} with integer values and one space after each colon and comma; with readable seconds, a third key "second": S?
{"hour": 11, "minute": 0, "second": 19}
